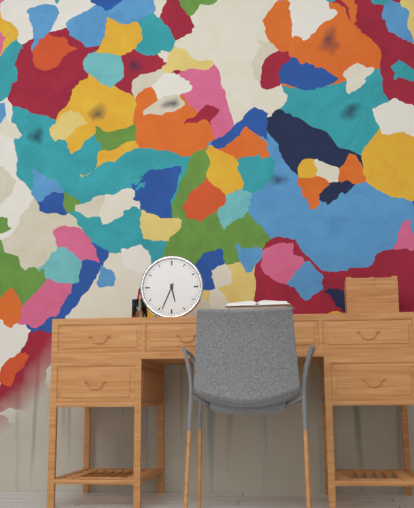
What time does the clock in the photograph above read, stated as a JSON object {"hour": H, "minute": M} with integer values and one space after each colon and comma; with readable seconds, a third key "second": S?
{"hour": 5, "minute": 34}
